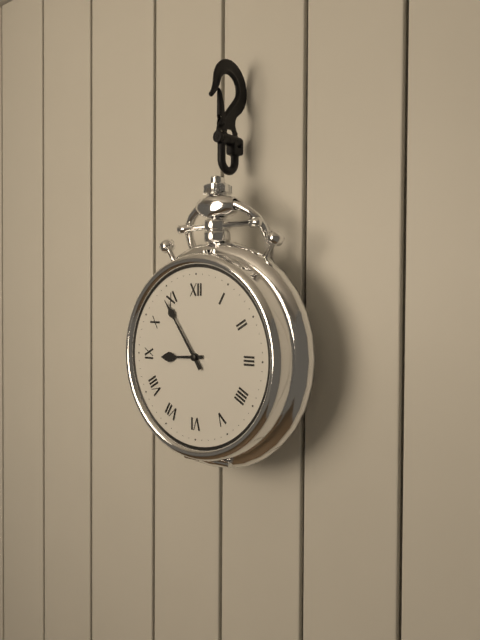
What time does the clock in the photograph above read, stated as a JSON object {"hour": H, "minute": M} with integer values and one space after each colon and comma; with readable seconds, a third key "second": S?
{"hour": 8, "minute": 54}
